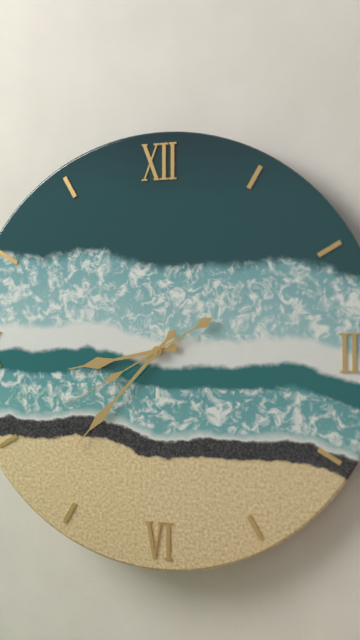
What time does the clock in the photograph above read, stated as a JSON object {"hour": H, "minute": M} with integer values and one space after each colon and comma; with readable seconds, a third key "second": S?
{"hour": 8, "minute": 37, "second": 40}
